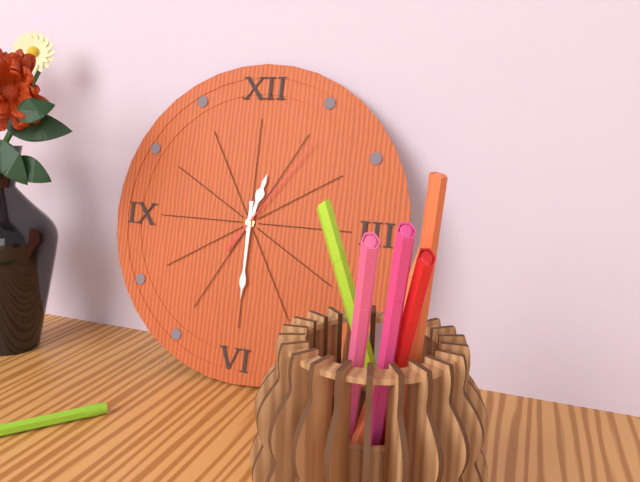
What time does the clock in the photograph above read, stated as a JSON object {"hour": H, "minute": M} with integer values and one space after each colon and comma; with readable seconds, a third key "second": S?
{"hour": 12, "minute": 30, "second": 6}
